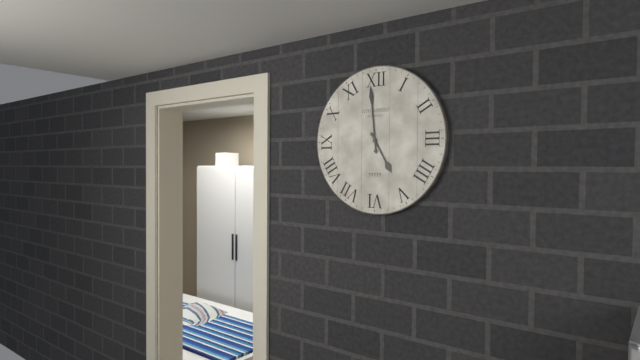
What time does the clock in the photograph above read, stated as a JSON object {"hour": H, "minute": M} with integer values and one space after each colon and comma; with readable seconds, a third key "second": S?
{"hour": 4, "minute": 59}
